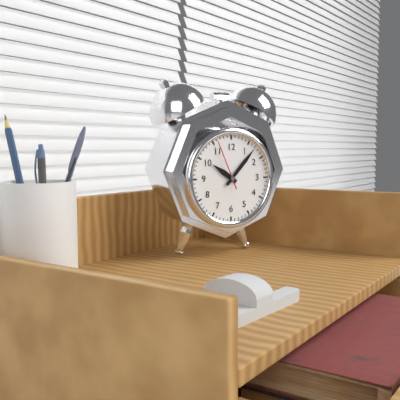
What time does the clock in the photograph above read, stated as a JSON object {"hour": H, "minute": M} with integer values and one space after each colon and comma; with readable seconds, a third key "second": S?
{"hour": 10, "minute": 7, "second": 56}
